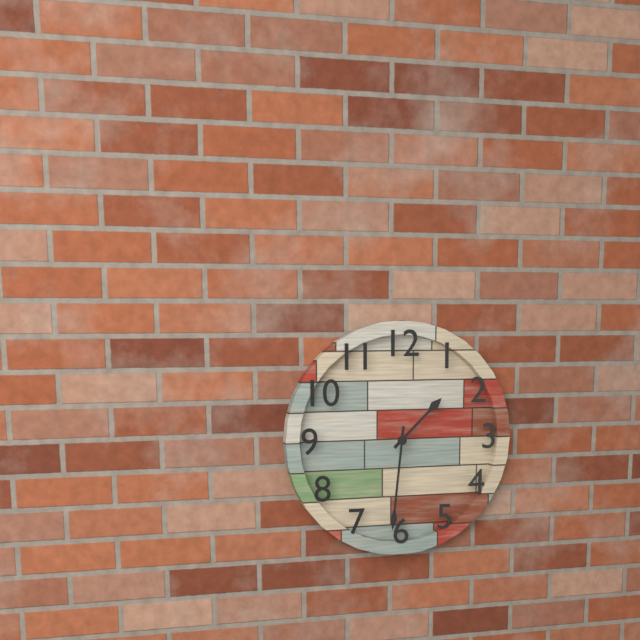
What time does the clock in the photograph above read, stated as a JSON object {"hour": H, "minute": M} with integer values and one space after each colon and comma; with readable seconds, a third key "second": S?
{"hour": 1, "minute": 31}
